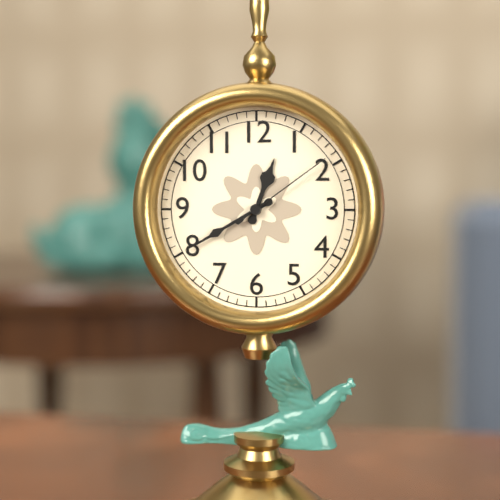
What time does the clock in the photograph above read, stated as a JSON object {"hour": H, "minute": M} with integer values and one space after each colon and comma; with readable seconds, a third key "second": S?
{"hour": 12, "minute": 40, "second": 9}
